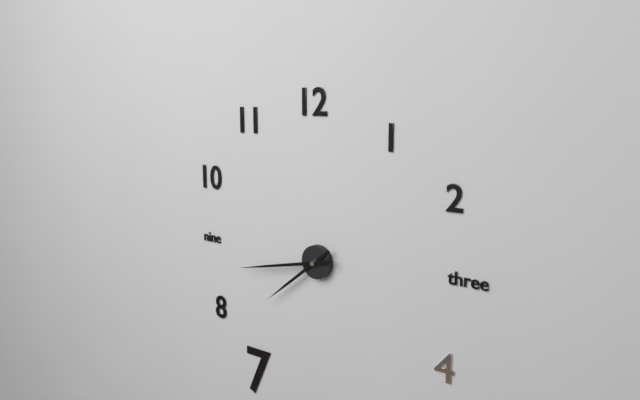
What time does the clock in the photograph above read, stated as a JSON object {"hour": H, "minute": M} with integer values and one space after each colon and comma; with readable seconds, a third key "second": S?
{"hour": 7, "minute": 43}
